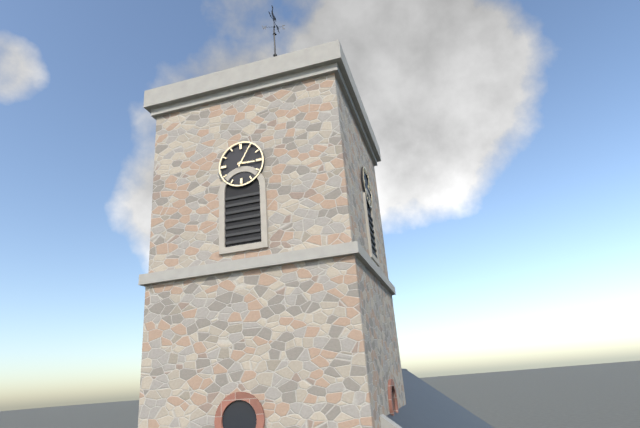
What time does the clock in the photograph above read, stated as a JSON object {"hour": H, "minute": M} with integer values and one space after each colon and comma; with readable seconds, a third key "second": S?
{"hour": 3, "minute": 5}
